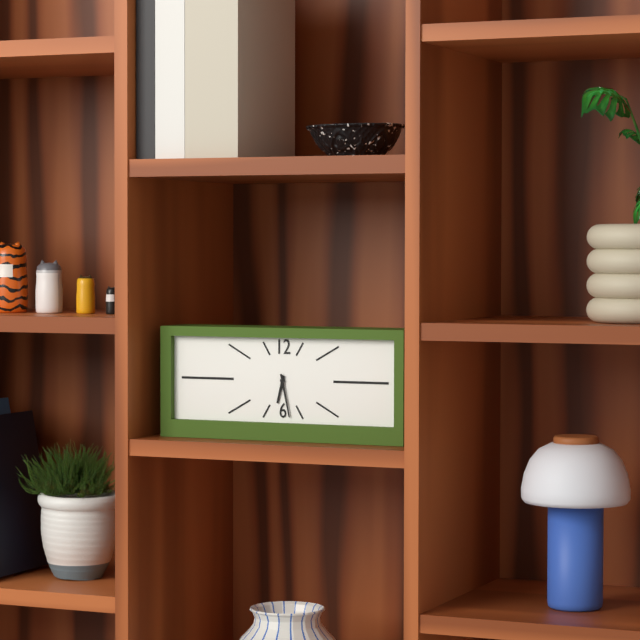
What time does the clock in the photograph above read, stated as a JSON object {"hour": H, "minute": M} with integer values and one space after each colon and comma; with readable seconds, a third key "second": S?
{"hour": 6, "minute": 28}
